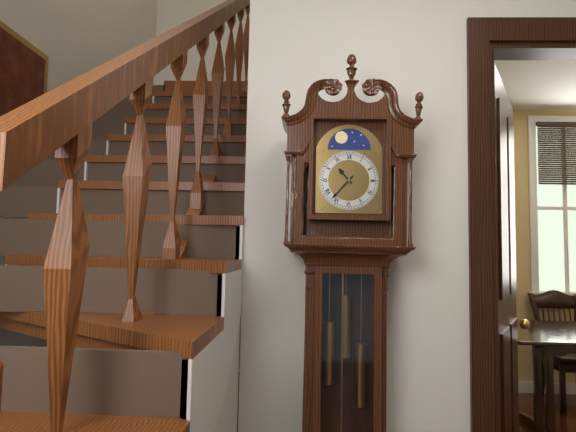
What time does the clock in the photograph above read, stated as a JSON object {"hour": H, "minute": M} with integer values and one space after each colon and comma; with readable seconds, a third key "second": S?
{"hour": 10, "minute": 37}
